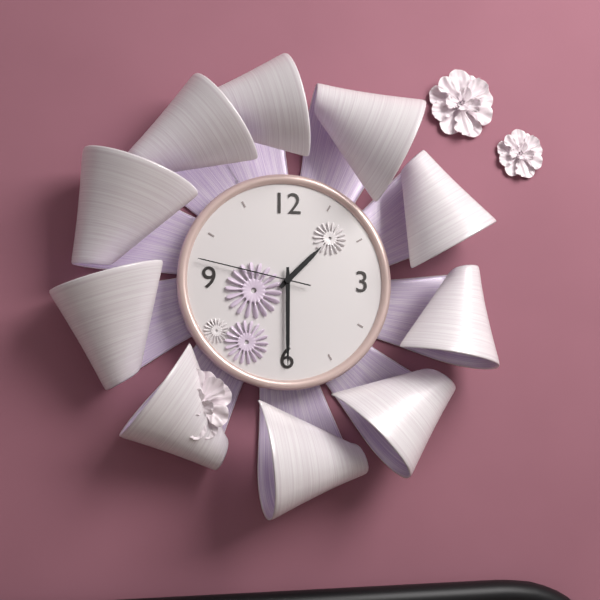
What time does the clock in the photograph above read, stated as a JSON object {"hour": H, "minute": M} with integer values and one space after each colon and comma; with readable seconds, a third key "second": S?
{"hour": 1, "minute": 30, "second": 47}
